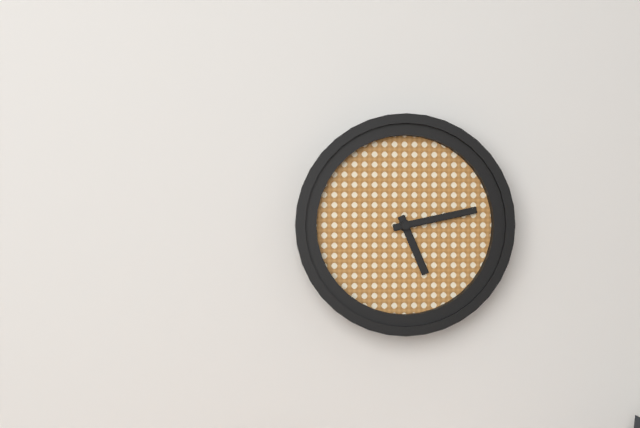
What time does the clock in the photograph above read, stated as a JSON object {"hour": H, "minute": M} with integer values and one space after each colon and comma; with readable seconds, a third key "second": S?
{"hour": 5, "minute": 13}
